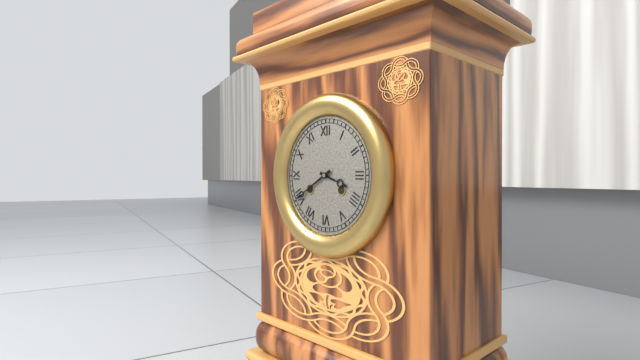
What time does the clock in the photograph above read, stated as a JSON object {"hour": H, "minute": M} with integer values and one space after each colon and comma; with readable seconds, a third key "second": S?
{"hour": 3, "minute": 40}
